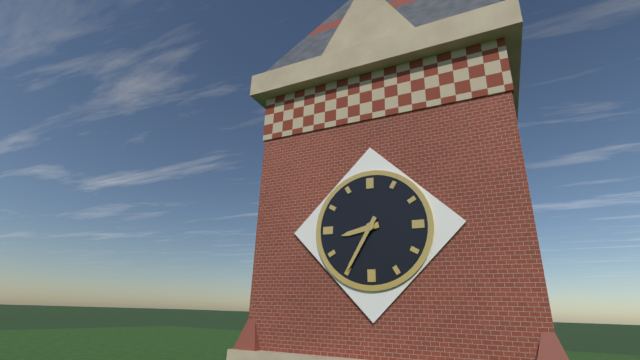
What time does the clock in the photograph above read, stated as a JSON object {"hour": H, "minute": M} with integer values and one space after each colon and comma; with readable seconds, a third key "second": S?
{"hour": 8, "minute": 35}
